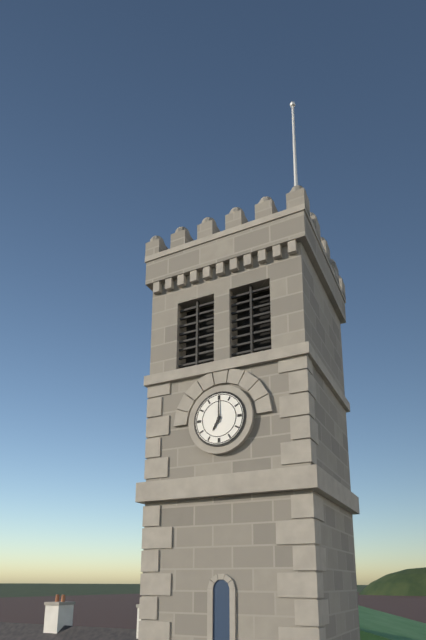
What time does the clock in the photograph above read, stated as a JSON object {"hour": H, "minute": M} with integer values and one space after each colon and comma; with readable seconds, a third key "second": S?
{"hour": 7, "minute": 0}
